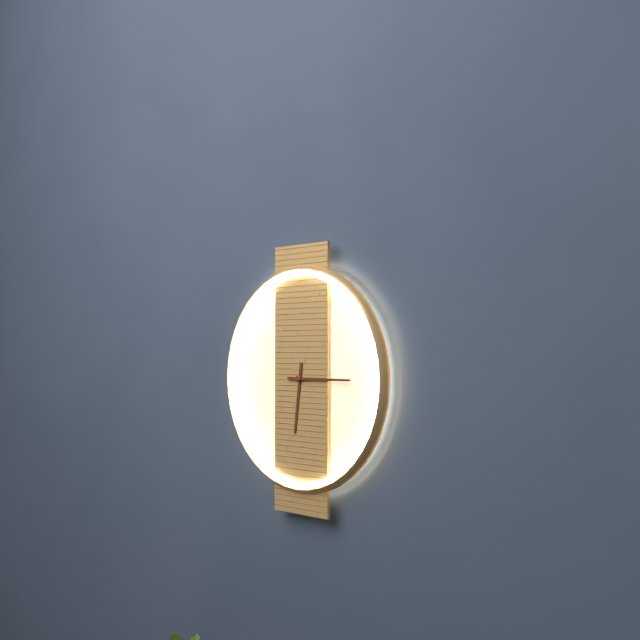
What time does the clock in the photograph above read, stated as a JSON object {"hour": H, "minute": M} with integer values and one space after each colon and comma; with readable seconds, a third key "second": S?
{"hour": 6, "minute": 15}
